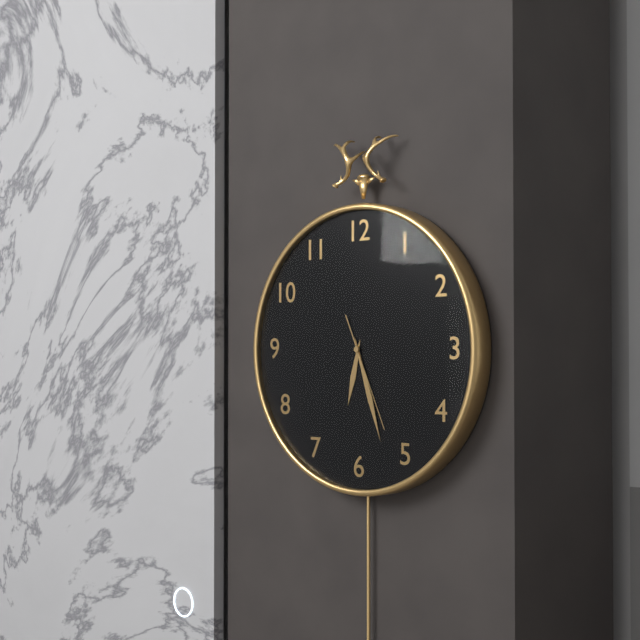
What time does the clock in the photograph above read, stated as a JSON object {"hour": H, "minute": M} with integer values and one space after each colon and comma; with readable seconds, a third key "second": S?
{"hour": 6, "minute": 27, "second": 26}
